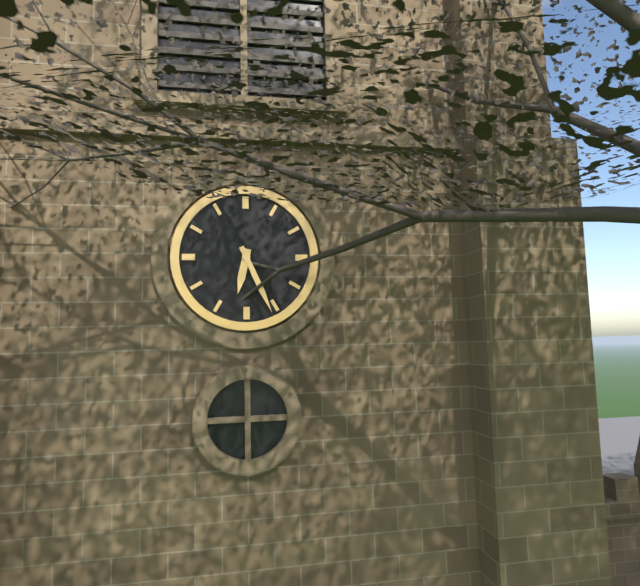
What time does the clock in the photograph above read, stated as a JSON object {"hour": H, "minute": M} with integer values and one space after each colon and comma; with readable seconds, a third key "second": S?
{"hour": 6, "minute": 26}
